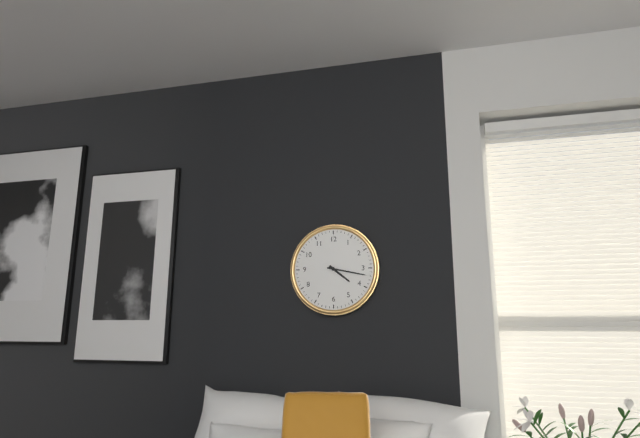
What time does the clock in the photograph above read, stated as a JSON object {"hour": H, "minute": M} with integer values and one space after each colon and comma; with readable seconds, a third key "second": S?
{"hour": 4, "minute": 17}
